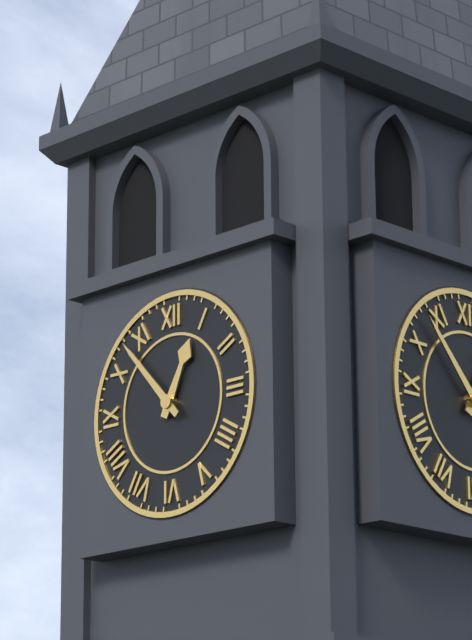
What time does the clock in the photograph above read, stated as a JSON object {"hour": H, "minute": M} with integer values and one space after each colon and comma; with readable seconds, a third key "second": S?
{"hour": 12, "minute": 53}
